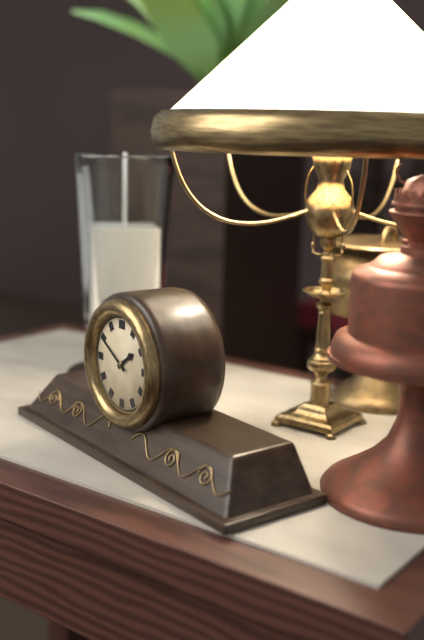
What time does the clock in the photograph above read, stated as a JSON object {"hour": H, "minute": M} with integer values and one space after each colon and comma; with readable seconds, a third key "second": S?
{"hour": 1, "minute": 50}
